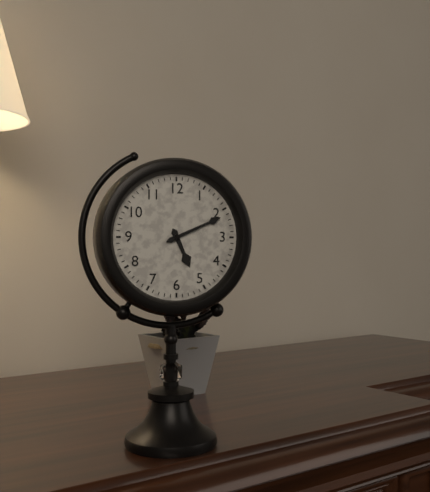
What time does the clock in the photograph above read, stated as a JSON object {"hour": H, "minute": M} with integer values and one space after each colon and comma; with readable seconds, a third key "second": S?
{"hour": 5, "minute": 11}
